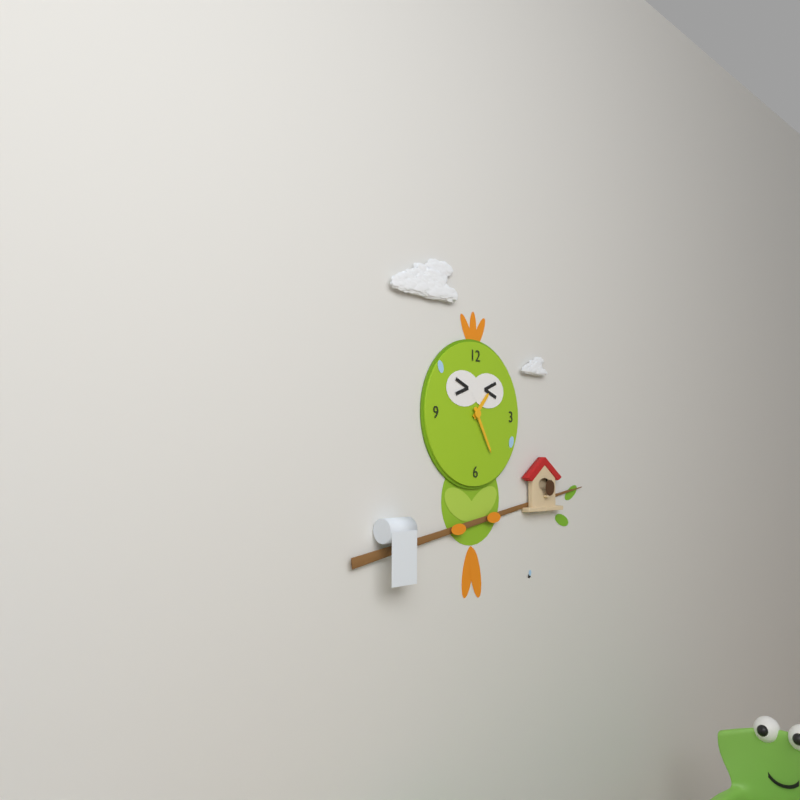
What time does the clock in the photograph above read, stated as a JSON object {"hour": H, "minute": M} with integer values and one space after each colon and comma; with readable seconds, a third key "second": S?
{"hour": 1, "minute": 25}
